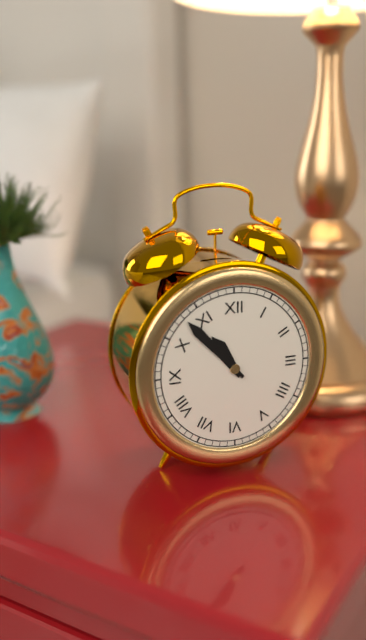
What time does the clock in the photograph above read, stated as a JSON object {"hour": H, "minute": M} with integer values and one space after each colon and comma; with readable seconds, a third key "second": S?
{"hour": 10, "minute": 53}
